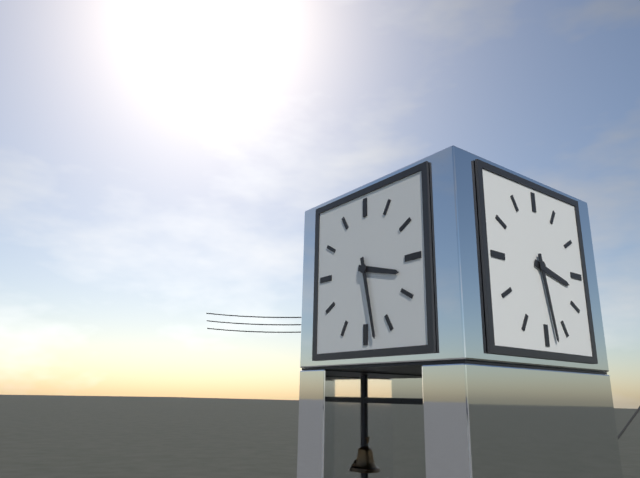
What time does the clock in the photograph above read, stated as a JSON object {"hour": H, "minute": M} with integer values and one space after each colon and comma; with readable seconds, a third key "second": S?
{"hour": 3, "minute": 28}
